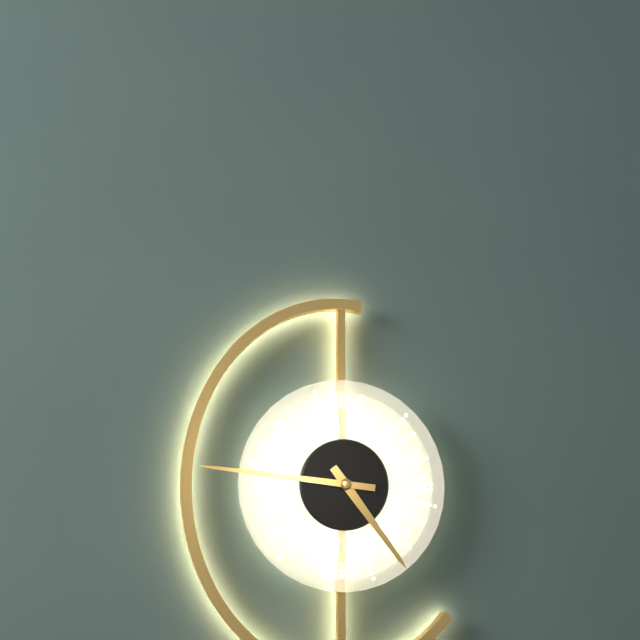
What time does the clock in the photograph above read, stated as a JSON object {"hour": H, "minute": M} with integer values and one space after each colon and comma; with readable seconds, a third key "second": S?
{"hour": 4, "minute": 46}
